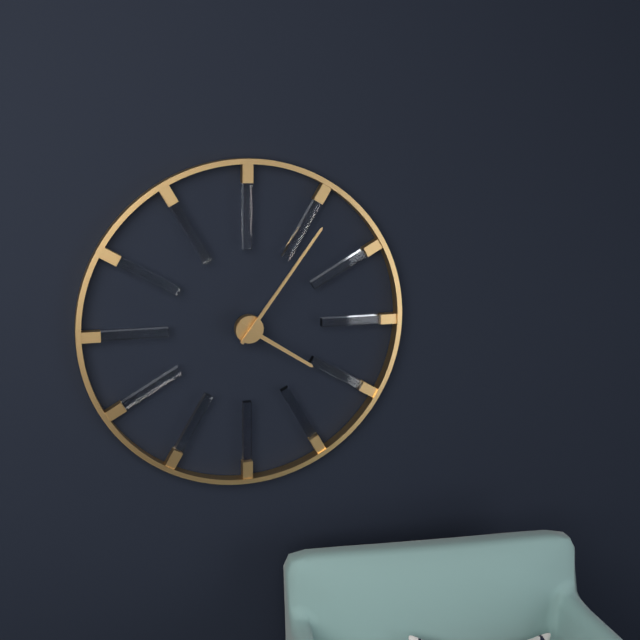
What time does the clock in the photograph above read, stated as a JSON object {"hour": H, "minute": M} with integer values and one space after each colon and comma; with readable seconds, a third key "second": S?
{"hour": 4, "minute": 6}
